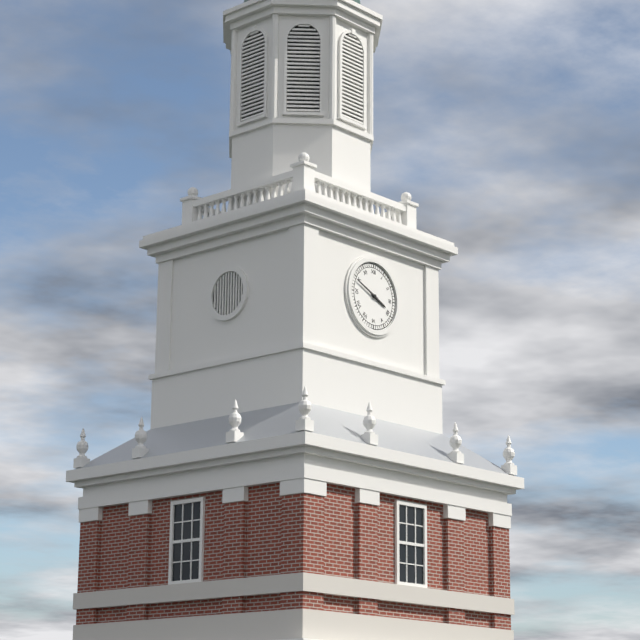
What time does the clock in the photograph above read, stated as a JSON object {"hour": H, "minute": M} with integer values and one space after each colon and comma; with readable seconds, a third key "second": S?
{"hour": 3, "minute": 49}
